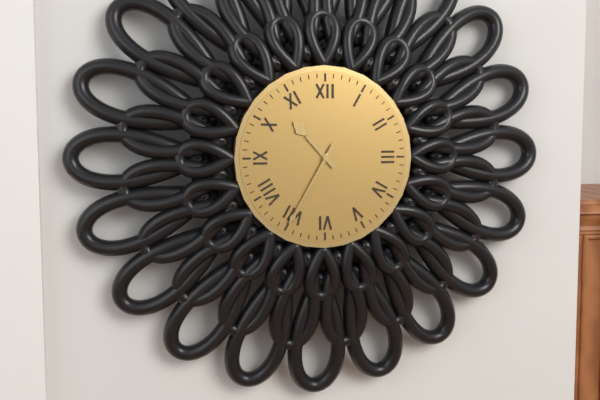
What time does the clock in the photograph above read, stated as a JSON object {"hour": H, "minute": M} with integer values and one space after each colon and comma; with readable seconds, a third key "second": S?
{"hour": 10, "minute": 35}
